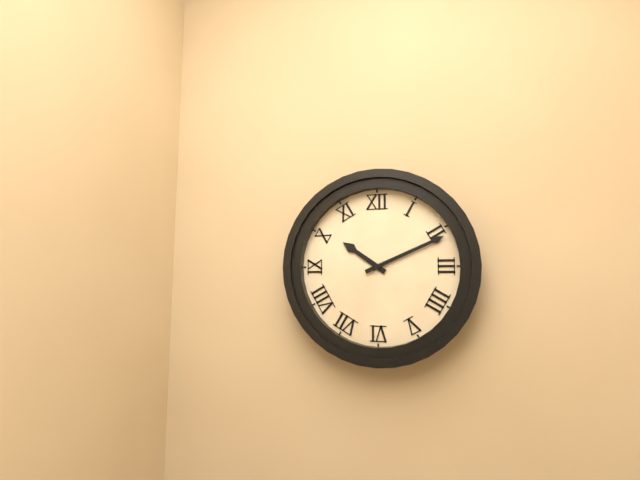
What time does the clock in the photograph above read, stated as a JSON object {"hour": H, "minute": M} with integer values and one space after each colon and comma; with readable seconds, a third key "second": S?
{"hour": 10, "minute": 11}
